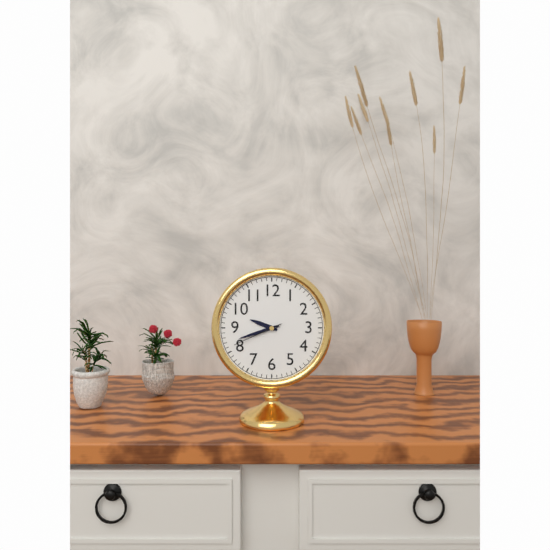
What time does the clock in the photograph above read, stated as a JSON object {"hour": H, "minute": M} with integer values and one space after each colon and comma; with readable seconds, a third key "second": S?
{"hour": 9, "minute": 42, "second": 41}
